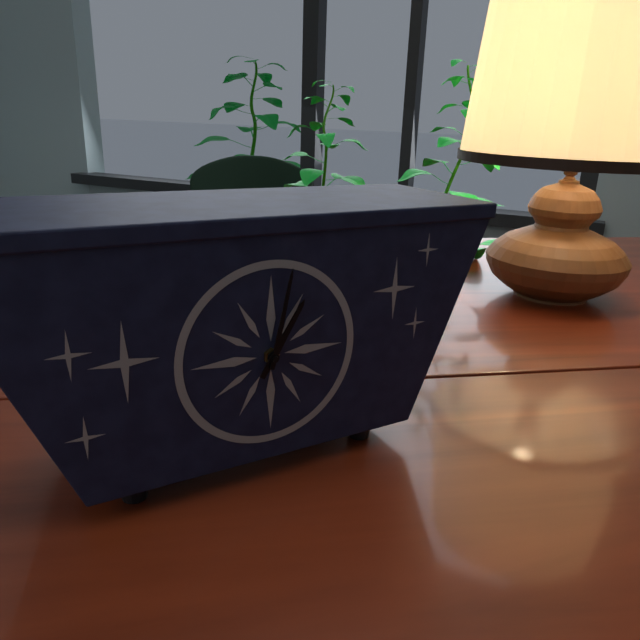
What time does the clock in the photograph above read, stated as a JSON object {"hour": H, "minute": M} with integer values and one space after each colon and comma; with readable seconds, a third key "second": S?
{"hour": 1, "minute": 2}
